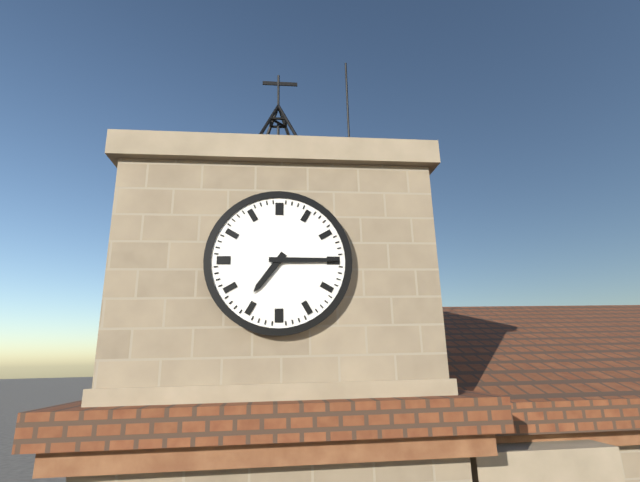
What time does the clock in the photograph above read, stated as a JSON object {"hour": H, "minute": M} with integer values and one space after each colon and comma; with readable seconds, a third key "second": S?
{"hour": 7, "minute": 15}
